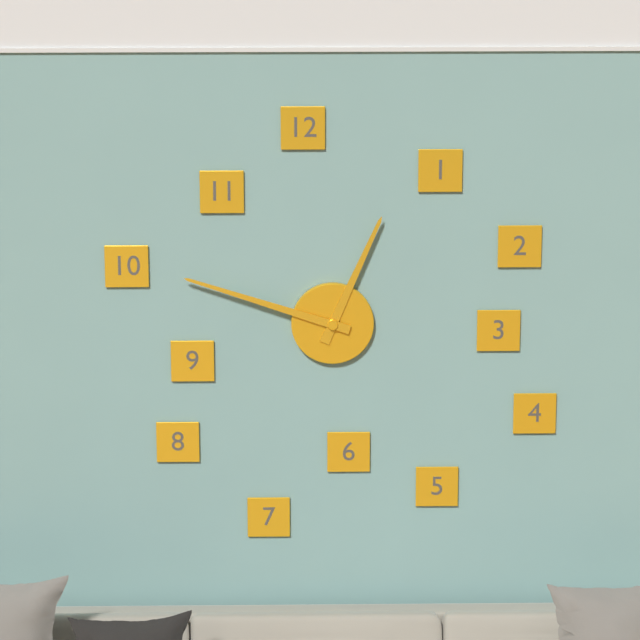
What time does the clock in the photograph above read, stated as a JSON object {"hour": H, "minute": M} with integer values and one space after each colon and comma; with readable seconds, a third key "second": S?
{"hour": 12, "minute": 48}
